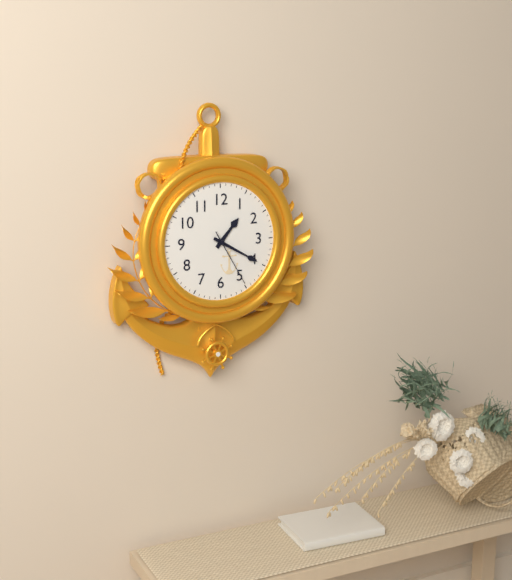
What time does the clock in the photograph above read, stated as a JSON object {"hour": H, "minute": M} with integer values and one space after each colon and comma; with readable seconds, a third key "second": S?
{"hour": 1, "minute": 20, "second": 25}
